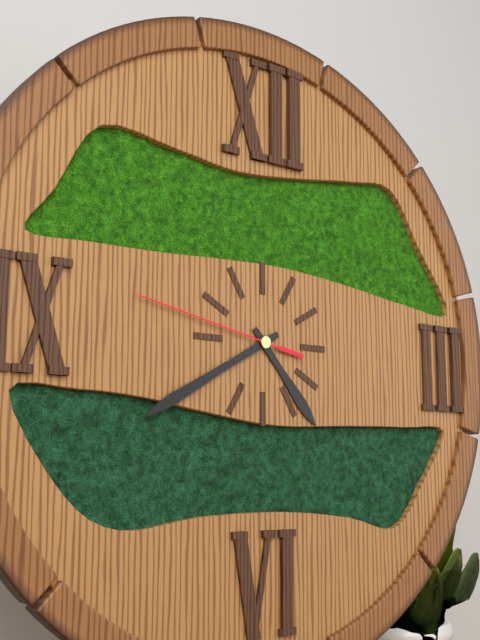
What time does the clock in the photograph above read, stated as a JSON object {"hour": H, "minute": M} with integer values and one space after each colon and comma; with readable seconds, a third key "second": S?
{"hour": 4, "minute": 40, "second": 47}
